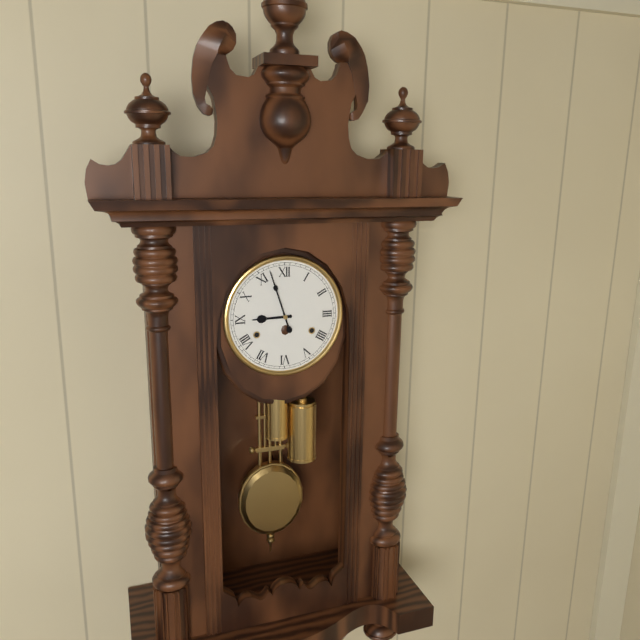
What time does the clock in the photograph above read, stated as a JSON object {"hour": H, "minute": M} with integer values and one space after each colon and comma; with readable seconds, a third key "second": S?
{"hour": 8, "minute": 57}
